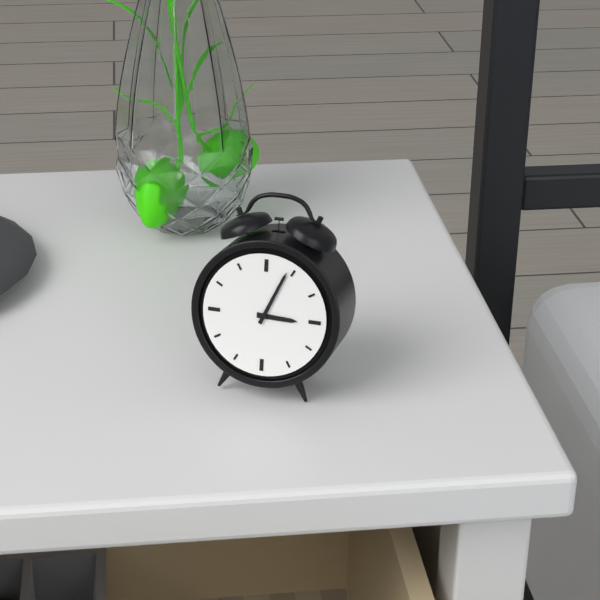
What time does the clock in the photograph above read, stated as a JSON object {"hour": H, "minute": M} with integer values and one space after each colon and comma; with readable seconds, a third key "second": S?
{"hour": 3, "minute": 4}
